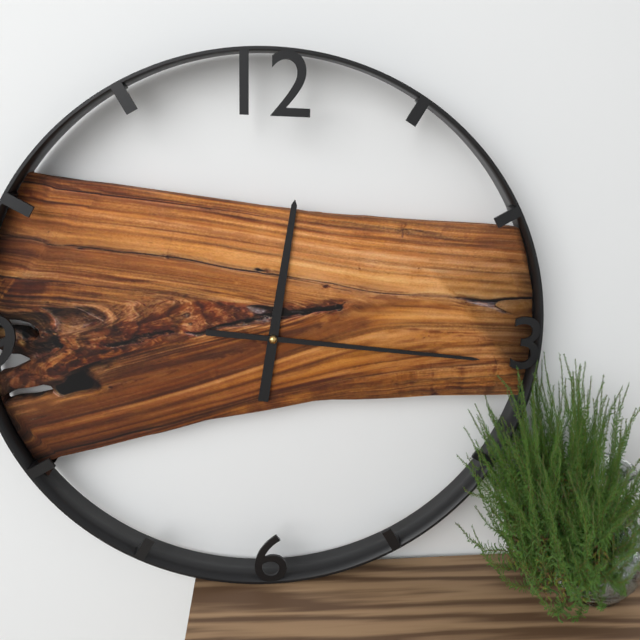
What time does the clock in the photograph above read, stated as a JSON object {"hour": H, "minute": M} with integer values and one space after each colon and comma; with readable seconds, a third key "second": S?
{"hour": 12, "minute": 16}
